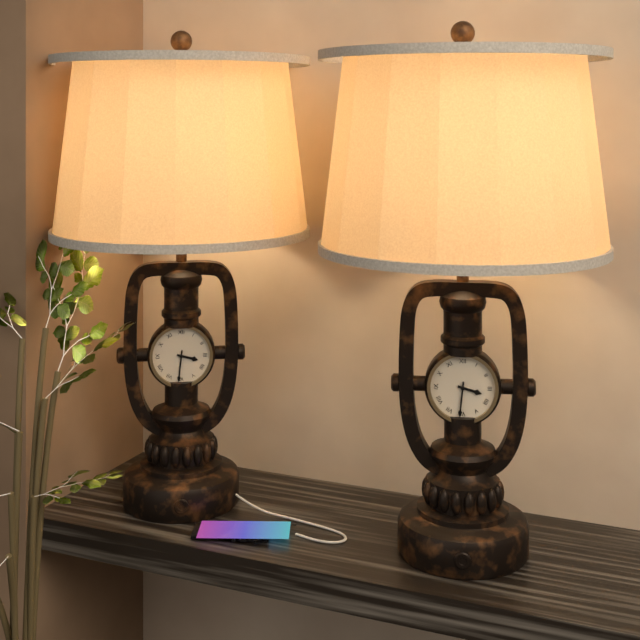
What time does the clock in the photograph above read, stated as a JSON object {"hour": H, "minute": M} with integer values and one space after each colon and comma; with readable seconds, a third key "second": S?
{"hour": 3, "minute": 31}
